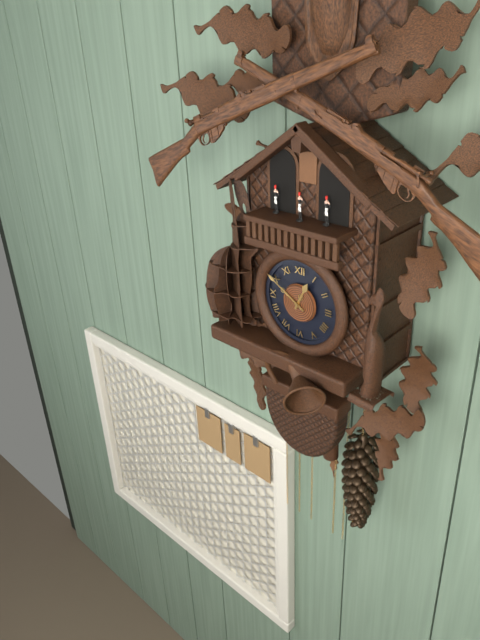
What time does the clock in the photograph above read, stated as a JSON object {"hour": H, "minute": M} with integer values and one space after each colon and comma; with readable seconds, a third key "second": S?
{"hour": 12, "minute": 50}
